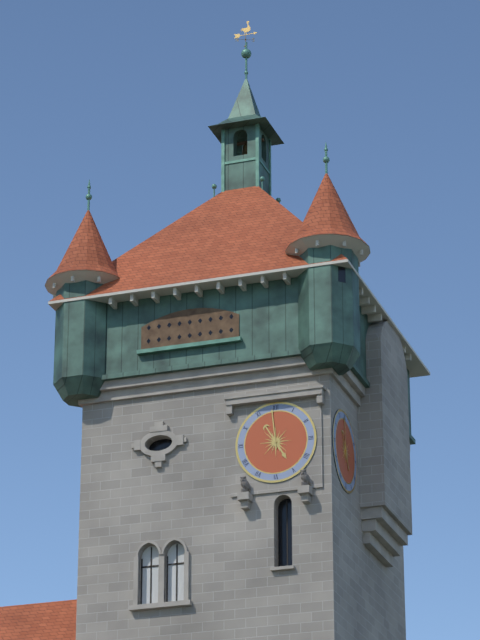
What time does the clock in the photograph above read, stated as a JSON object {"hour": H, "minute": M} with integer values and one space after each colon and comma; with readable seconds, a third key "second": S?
{"hour": 4, "minute": 59}
